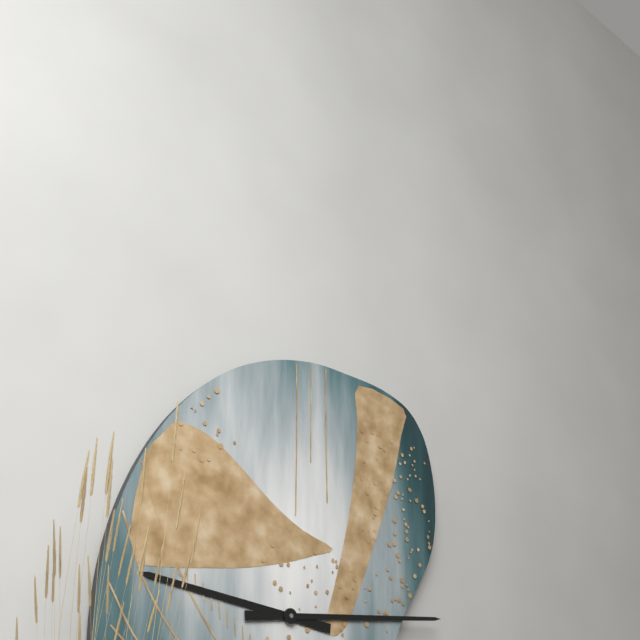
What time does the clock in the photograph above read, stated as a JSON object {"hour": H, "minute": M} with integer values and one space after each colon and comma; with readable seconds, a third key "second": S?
{"hour": 9, "minute": 14}
